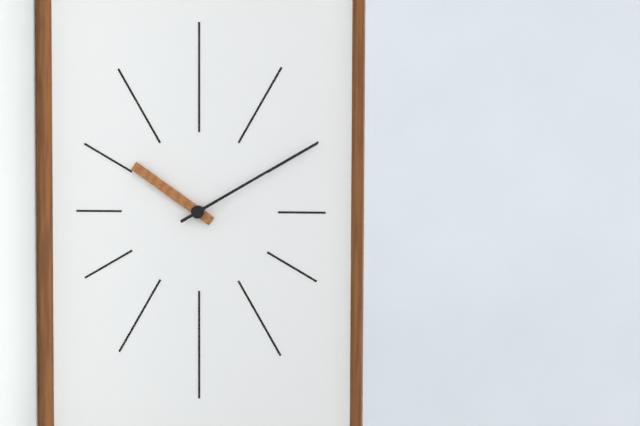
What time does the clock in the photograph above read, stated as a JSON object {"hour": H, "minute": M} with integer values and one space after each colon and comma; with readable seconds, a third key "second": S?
{"hour": 10, "minute": 10}
